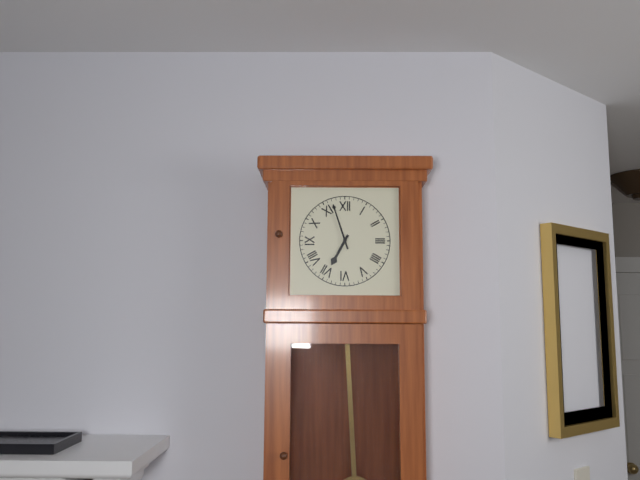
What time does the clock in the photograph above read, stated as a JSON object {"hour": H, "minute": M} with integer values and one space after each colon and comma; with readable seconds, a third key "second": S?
{"hour": 6, "minute": 57}
